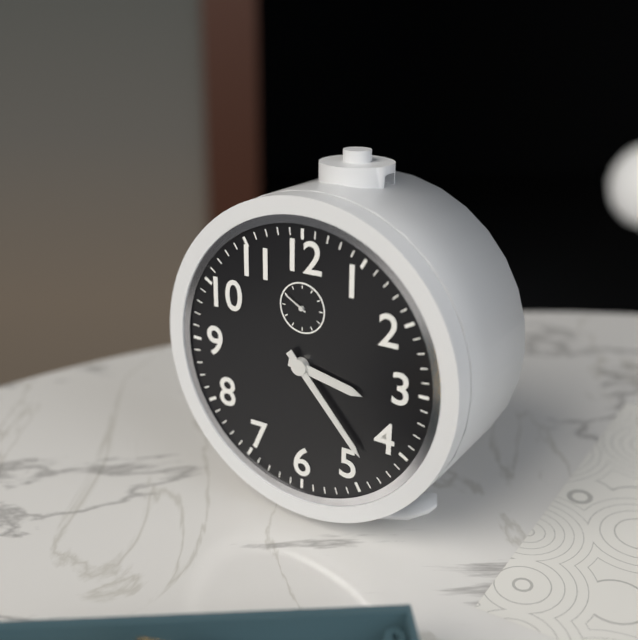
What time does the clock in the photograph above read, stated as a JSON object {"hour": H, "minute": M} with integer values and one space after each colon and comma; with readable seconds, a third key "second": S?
{"hour": 3, "minute": 23}
